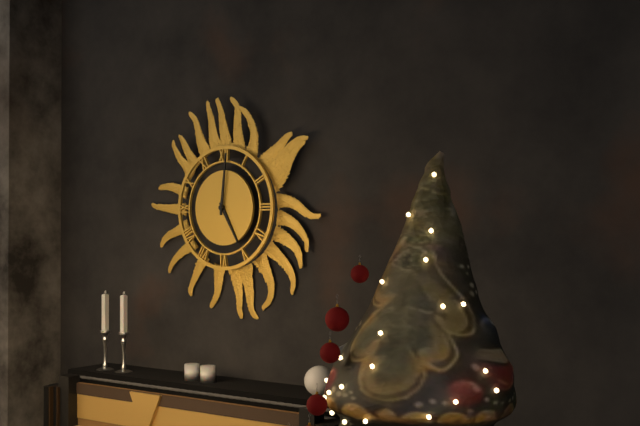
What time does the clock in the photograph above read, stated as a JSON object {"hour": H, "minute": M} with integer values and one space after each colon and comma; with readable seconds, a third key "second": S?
{"hour": 5, "minute": 1}
